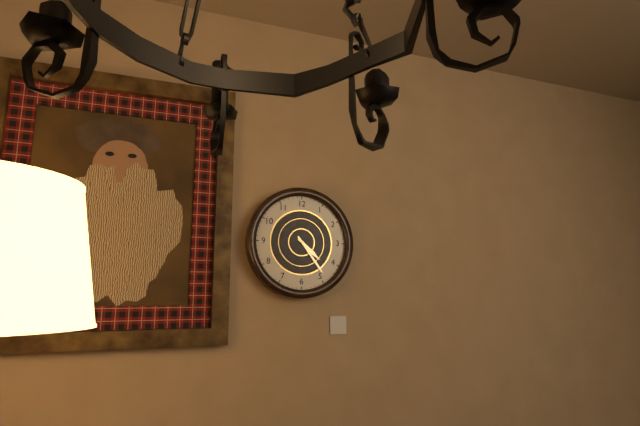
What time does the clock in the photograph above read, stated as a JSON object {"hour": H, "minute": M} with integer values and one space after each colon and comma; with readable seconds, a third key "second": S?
{"hour": 4, "minute": 24}
